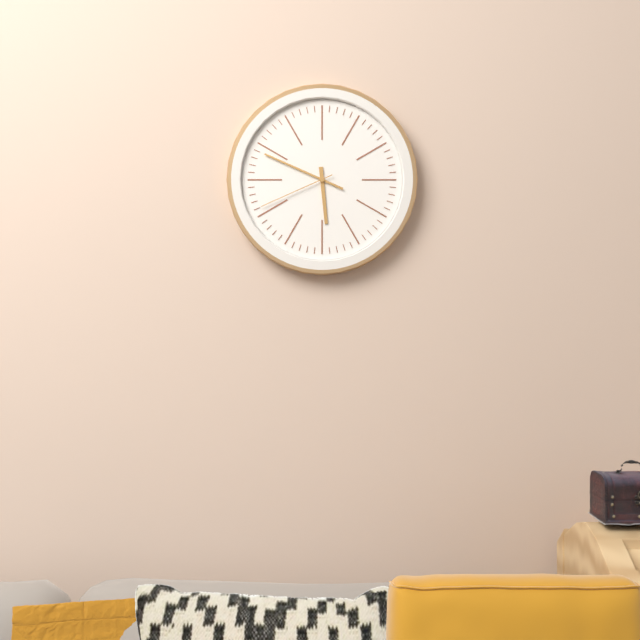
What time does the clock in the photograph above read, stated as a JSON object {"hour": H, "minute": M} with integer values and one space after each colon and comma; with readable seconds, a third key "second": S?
{"hour": 5, "minute": 49, "second": 41}
